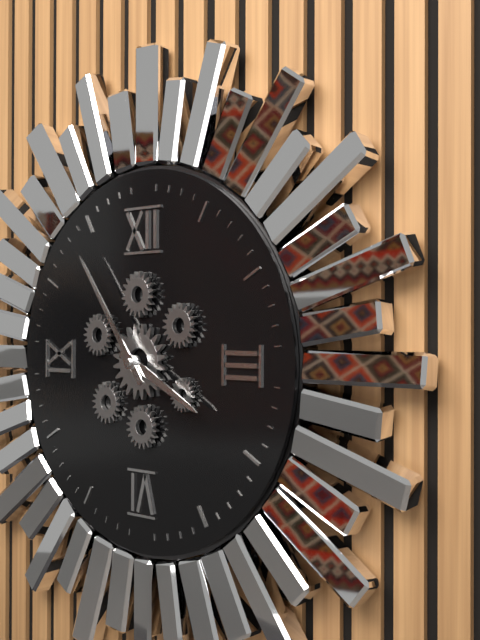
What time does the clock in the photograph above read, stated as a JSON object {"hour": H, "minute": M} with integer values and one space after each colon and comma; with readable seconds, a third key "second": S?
{"hour": 3, "minute": 54}
